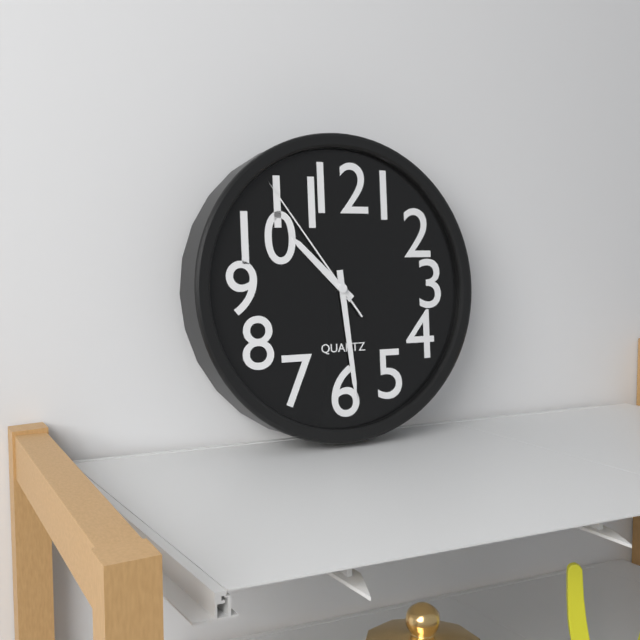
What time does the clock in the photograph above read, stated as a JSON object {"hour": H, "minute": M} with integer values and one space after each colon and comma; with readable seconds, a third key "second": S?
{"hour": 10, "minute": 29, "second": 54}
